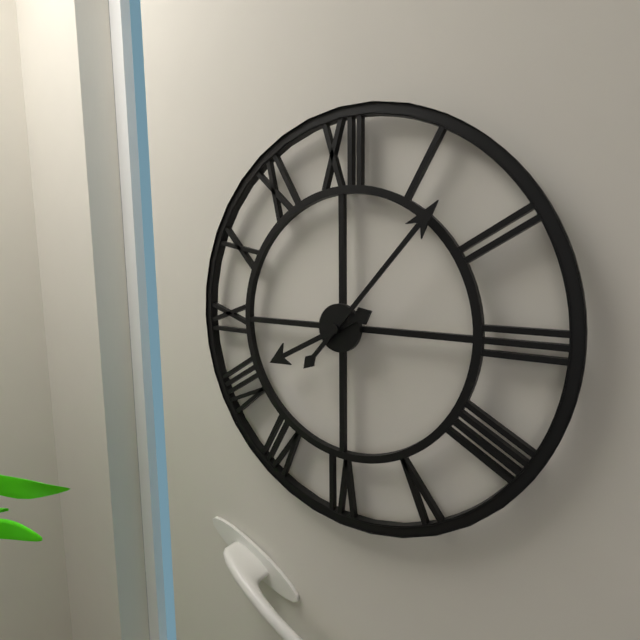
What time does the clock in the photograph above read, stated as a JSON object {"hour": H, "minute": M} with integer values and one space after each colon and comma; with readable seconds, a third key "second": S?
{"hour": 8, "minute": 7}
